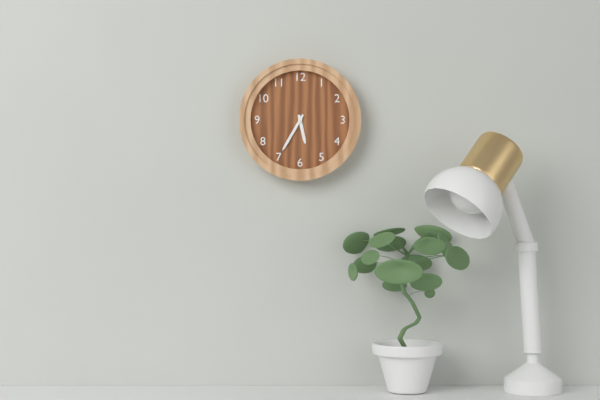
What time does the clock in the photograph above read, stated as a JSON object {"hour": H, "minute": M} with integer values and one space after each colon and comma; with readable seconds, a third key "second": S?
{"hour": 5, "minute": 35}
